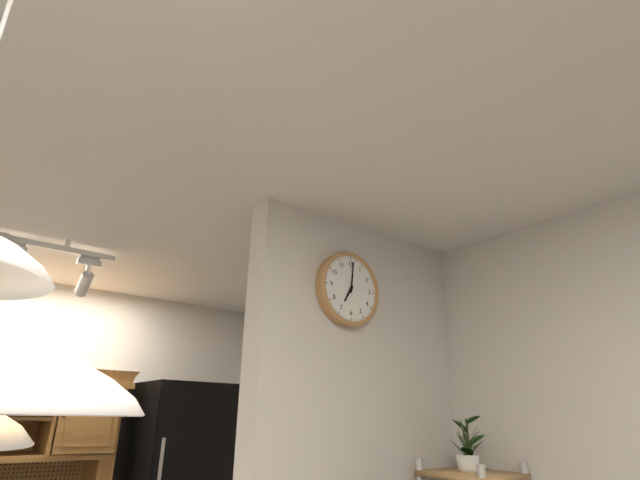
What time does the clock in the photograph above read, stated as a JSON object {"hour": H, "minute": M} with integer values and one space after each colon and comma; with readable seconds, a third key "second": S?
{"hour": 7, "minute": 1}
